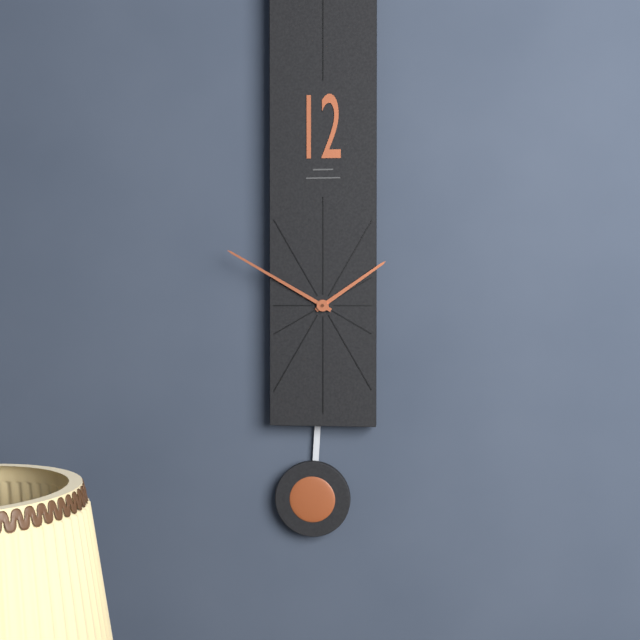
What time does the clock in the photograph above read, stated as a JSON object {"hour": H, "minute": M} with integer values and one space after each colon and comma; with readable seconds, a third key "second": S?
{"hour": 1, "minute": 50}
